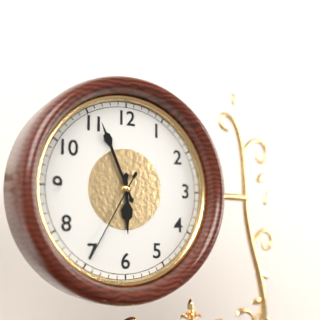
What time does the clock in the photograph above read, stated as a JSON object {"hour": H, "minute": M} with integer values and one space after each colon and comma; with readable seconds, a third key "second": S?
{"hour": 5, "minute": 56, "second": 35}
